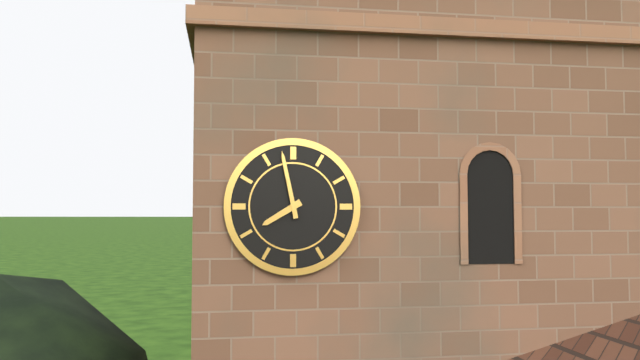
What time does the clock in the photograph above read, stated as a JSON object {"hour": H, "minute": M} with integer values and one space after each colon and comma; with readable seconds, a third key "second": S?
{"hour": 7, "minute": 58}
